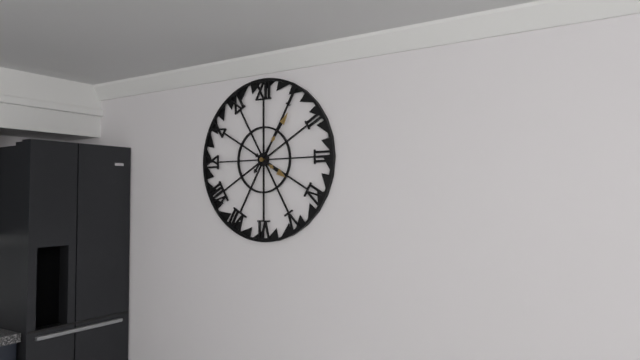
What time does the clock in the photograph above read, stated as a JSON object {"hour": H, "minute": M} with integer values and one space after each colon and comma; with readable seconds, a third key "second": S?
{"hour": 4, "minute": 6}
